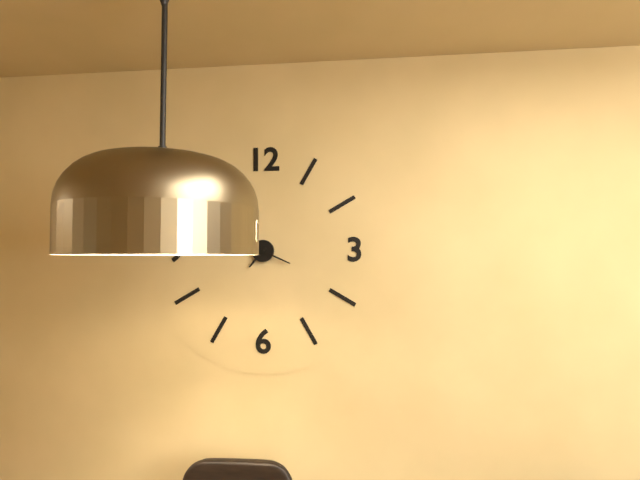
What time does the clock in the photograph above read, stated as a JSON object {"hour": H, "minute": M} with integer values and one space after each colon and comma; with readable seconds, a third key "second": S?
{"hour": 7, "minute": 19}
